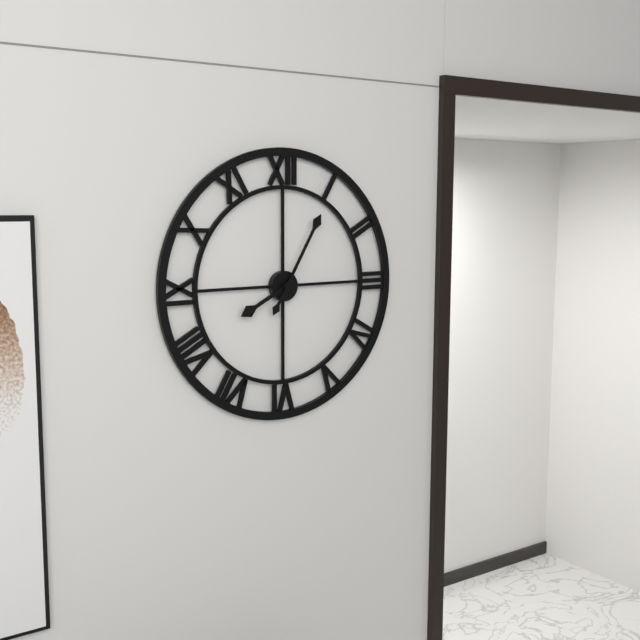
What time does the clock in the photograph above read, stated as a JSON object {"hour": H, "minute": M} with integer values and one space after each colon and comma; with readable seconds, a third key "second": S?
{"hour": 8, "minute": 5}
